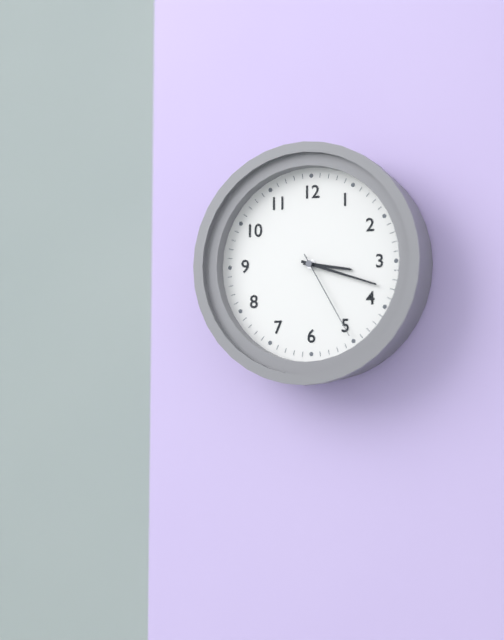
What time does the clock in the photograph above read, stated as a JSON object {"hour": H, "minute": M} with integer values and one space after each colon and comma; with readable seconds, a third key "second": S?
{"hour": 3, "minute": 18, "second": 25}
